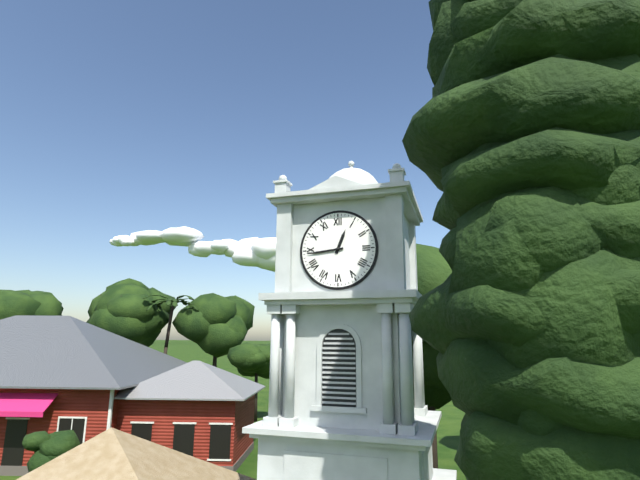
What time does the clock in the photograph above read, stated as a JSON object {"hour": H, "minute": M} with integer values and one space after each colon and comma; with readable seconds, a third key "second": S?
{"hour": 12, "minute": 44}
